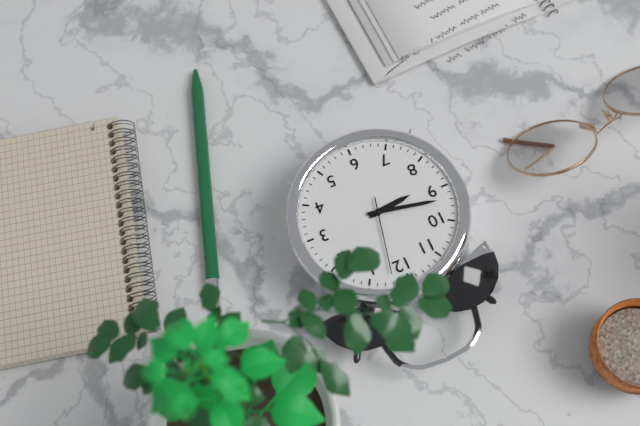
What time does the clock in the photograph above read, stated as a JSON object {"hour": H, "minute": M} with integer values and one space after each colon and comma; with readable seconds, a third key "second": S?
{"hour": 8, "minute": 47, "second": 2}
